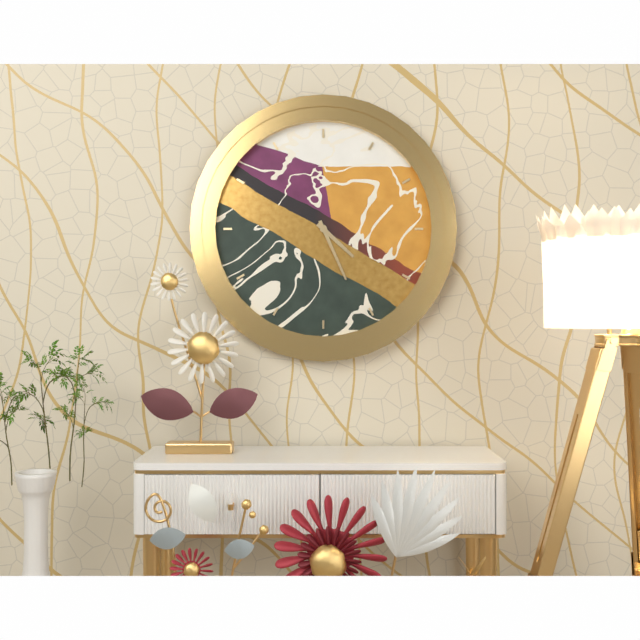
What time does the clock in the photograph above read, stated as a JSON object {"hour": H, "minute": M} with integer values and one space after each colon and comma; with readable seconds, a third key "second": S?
{"hour": 4, "minute": 26}
